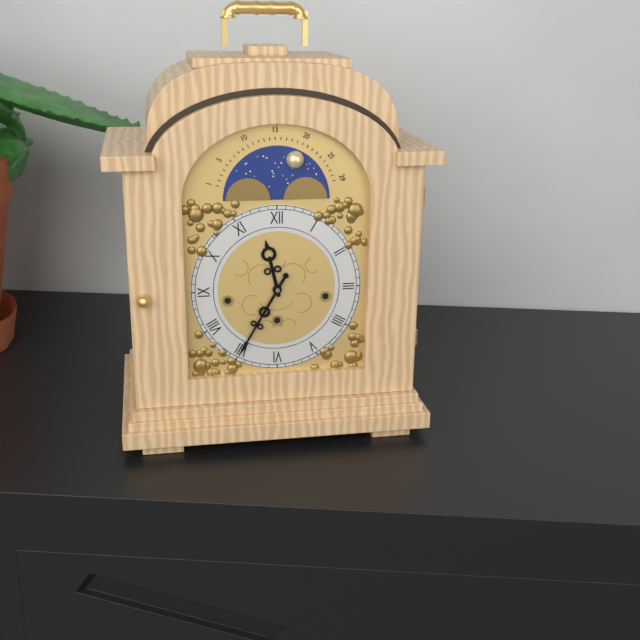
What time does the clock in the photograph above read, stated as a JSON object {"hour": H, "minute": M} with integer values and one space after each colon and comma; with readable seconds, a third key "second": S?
{"hour": 11, "minute": 35}
